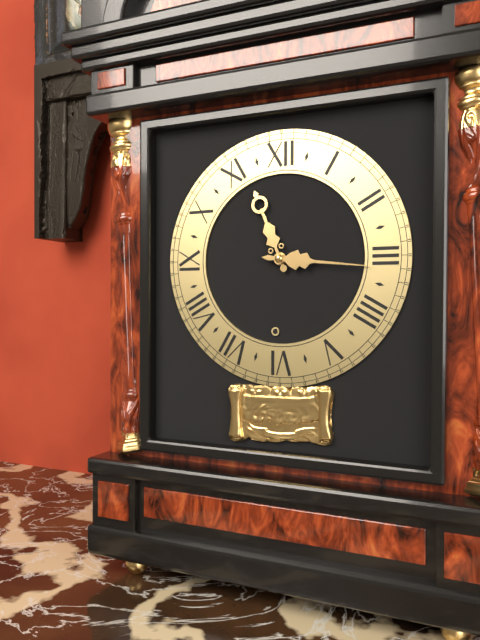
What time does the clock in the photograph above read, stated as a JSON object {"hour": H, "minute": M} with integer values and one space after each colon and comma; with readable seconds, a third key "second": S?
{"hour": 11, "minute": 16}
